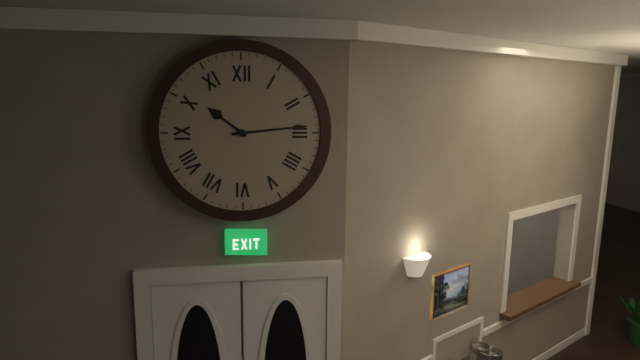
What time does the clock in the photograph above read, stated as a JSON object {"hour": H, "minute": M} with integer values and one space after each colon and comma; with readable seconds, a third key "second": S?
{"hour": 10, "minute": 14}
